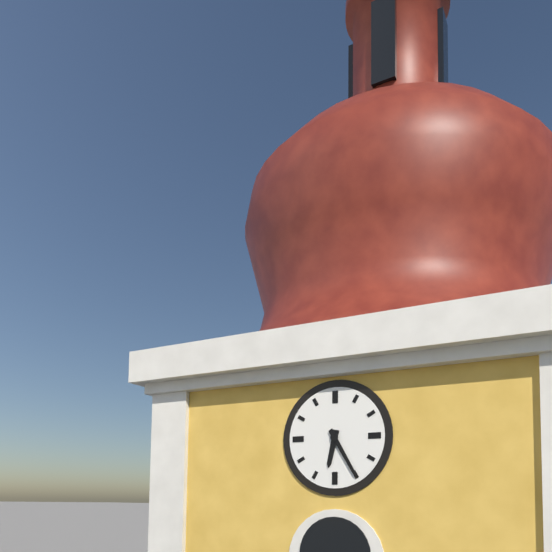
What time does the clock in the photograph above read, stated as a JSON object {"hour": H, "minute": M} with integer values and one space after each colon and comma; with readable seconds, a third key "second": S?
{"hour": 6, "minute": 25}
